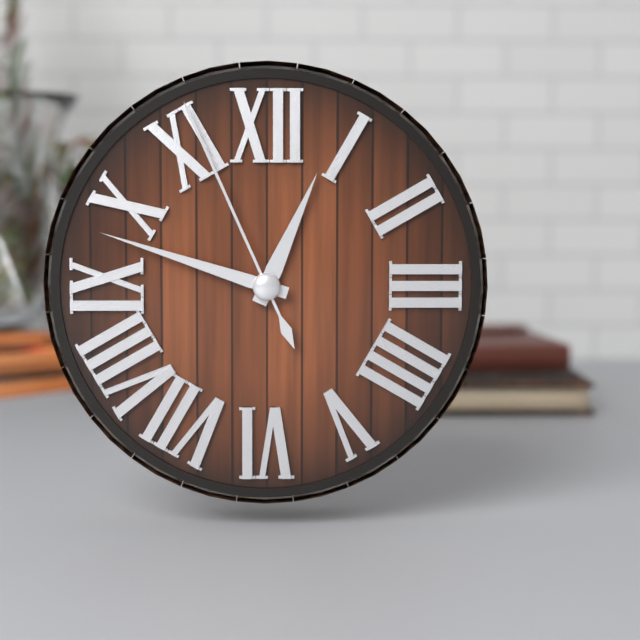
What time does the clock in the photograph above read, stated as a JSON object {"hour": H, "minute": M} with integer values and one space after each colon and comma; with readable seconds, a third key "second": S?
{"hour": 12, "minute": 48, "second": 56}
